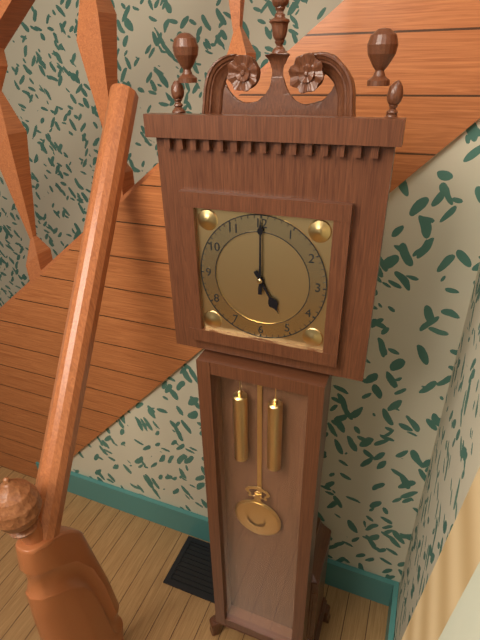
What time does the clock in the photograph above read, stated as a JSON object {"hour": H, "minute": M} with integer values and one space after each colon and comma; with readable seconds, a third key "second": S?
{"hour": 5, "minute": 0}
